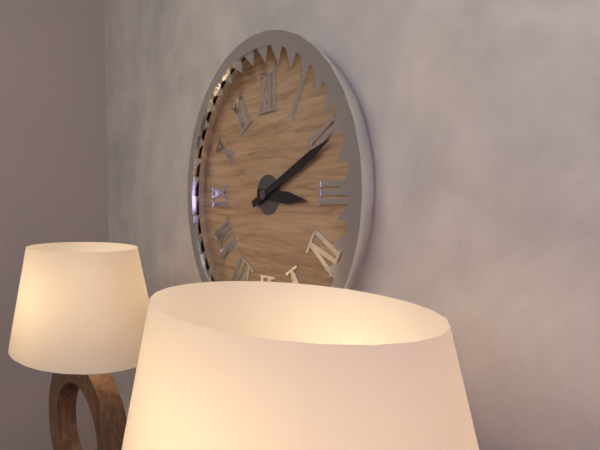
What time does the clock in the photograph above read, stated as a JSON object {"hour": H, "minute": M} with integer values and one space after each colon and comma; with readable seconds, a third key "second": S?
{"hour": 3, "minute": 11}
